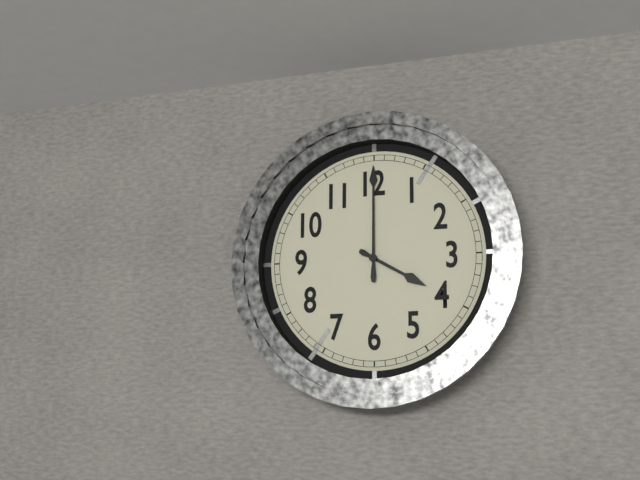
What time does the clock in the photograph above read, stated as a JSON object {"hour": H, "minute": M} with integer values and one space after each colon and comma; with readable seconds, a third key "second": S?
{"hour": 4, "minute": 0}
